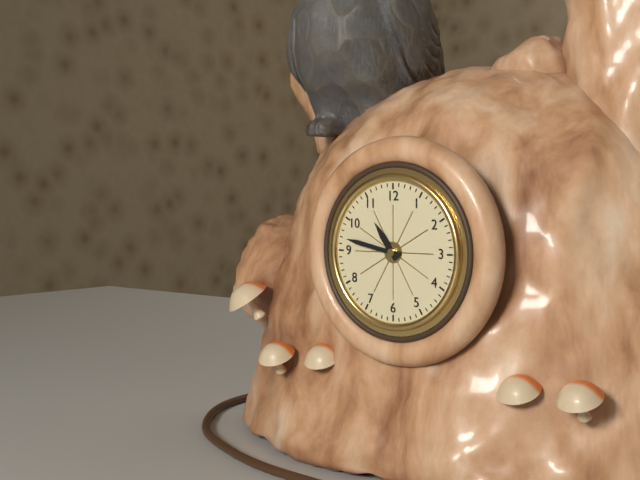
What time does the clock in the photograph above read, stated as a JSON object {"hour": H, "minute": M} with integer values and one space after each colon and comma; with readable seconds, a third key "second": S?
{"hour": 10, "minute": 47}
